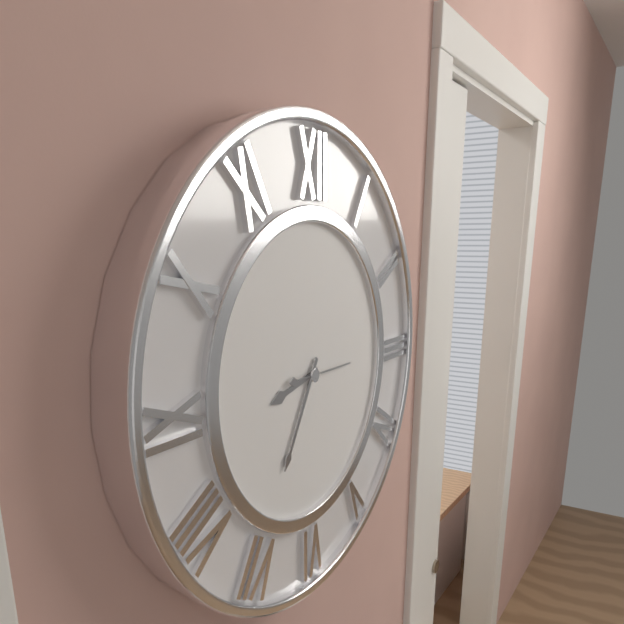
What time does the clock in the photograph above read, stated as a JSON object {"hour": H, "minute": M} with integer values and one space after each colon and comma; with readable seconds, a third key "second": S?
{"hour": 8, "minute": 35, "second": 15}
